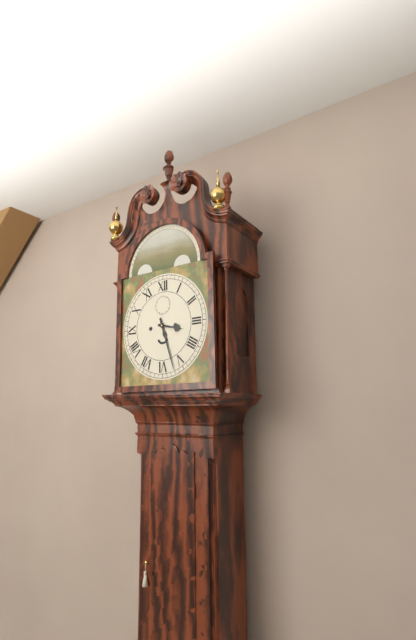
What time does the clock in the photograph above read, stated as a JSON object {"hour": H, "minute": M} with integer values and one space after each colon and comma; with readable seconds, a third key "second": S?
{"hour": 3, "minute": 27}
